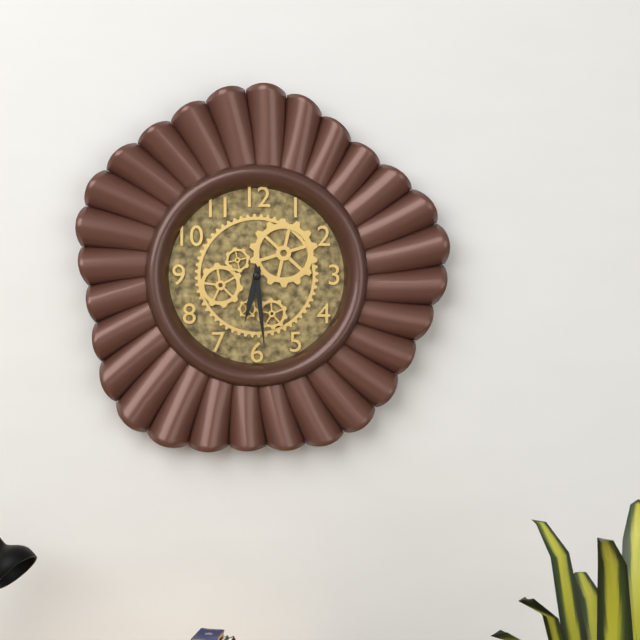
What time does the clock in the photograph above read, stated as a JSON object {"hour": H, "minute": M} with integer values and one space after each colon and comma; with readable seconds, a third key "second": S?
{"hour": 6, "minute": 29}
